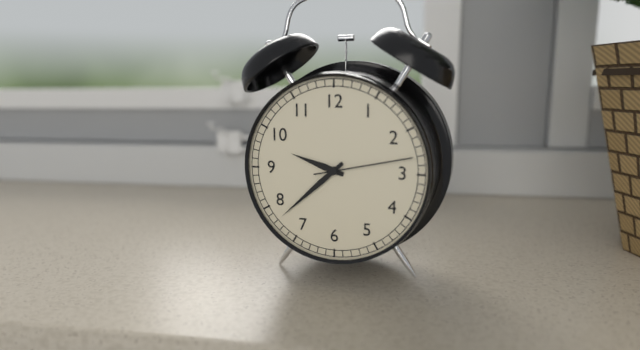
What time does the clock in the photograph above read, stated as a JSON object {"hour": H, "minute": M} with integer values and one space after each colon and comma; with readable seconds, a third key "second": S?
{"hour": 9, "minute": 38, "second": 13}
